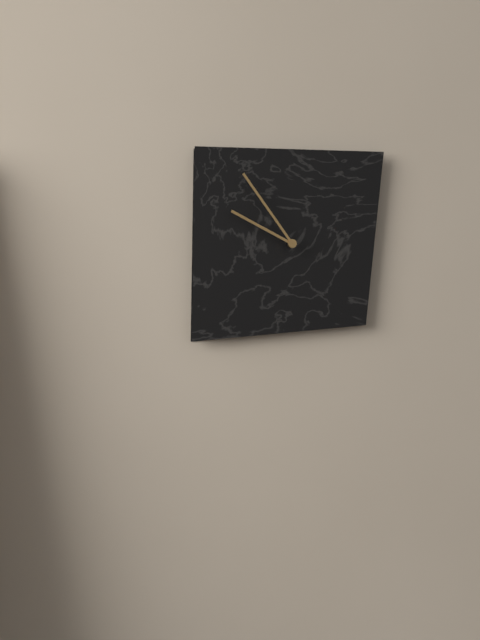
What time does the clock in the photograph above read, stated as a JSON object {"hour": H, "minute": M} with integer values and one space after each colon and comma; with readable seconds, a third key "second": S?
{"hour": 9, "minute": 54}
